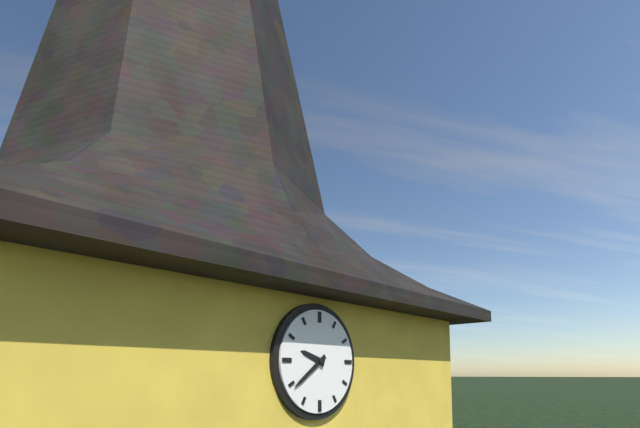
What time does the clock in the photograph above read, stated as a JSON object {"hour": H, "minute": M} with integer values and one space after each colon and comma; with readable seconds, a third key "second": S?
{"hour": 9, "minute": 39}
